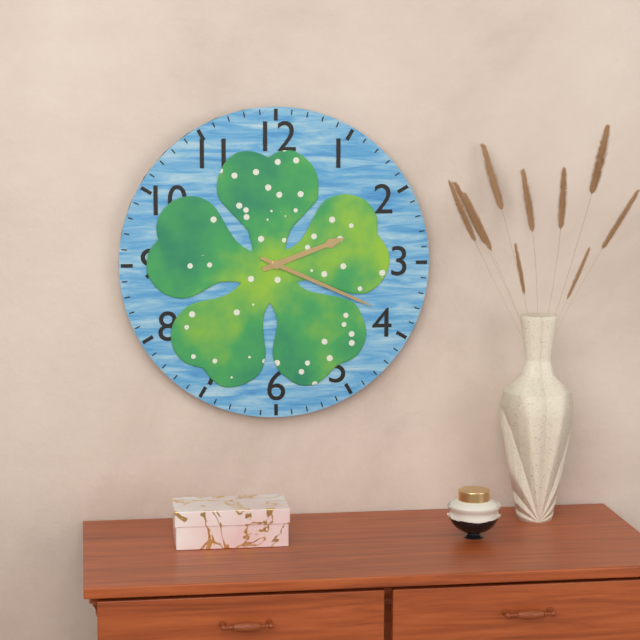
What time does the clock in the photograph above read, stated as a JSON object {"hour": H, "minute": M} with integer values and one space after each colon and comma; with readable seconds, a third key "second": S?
{"hour": 2, "minute": 19}
